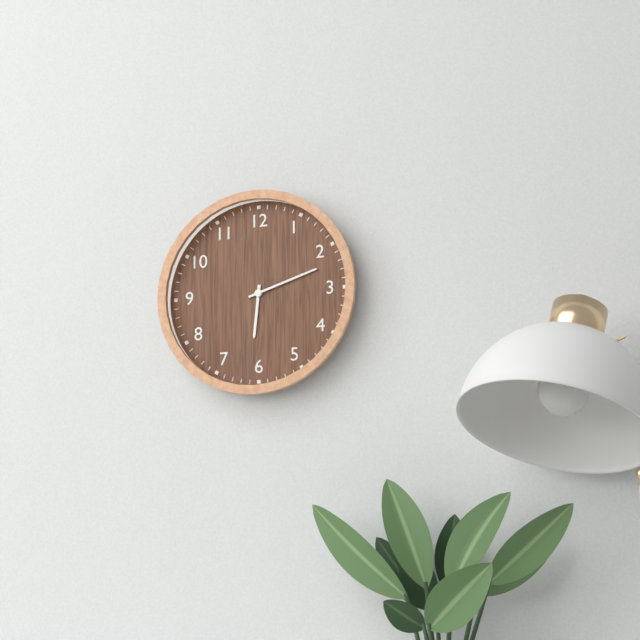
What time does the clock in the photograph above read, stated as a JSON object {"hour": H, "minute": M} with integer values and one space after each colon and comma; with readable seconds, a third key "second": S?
{"hour": 6, "minute": 12}
